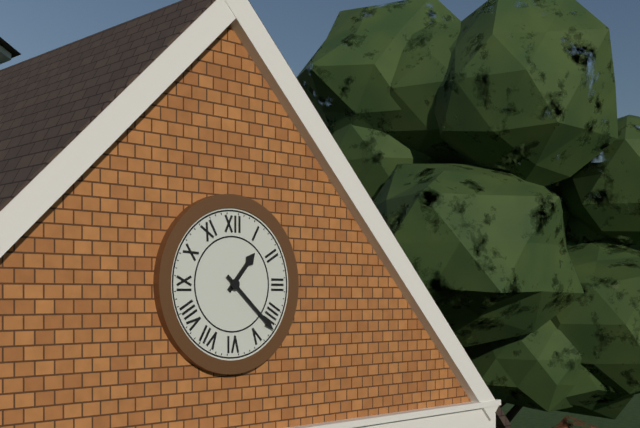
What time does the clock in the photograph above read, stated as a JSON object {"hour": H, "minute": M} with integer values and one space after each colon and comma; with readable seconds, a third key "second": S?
{"hour": 1, "minute": 22}
